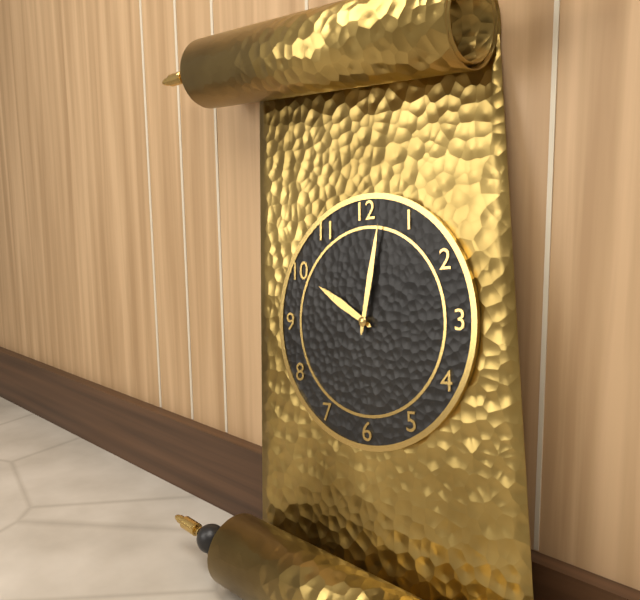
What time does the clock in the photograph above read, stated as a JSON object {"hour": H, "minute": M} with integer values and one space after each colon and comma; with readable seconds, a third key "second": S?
{"hour": 10, "minute": 2}
